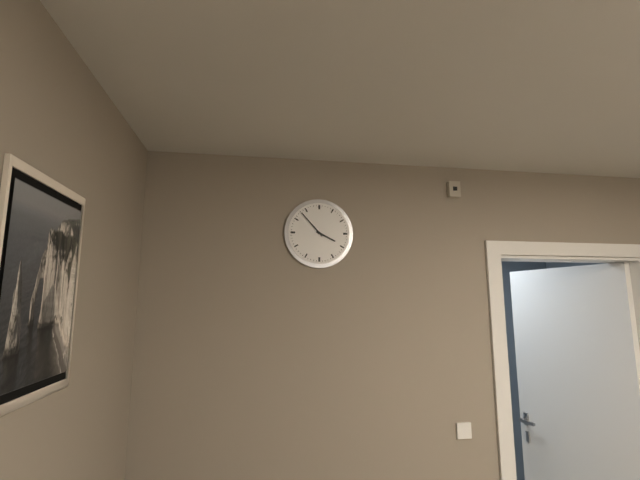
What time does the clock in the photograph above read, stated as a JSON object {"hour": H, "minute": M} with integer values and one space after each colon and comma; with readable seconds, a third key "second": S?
{"hour": 3, "minute": 53}
